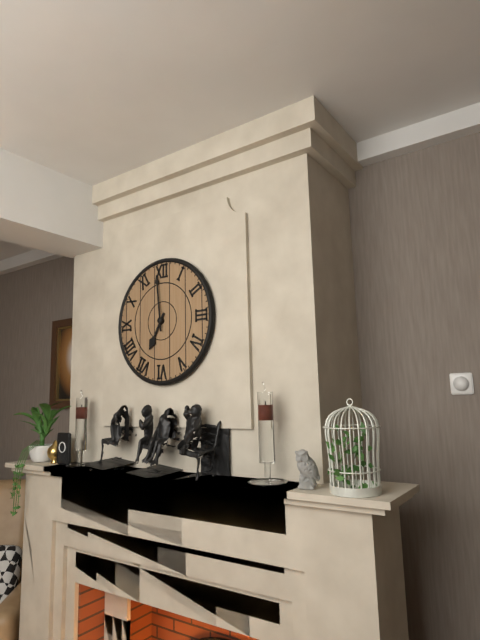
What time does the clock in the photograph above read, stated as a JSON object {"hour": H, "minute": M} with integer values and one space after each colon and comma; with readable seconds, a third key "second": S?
{"hour": 6, "minute": 59}
